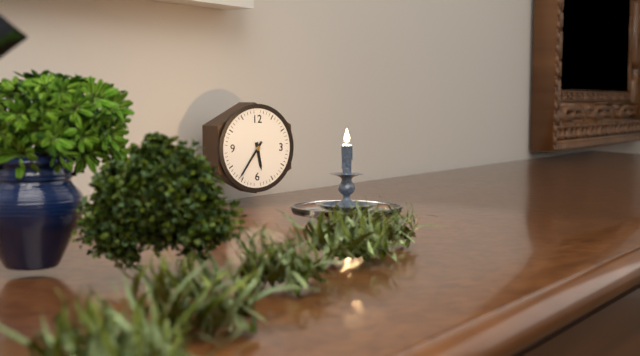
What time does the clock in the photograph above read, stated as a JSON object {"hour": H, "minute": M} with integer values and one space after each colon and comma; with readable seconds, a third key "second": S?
{"hour": 5, "minute": 36}
